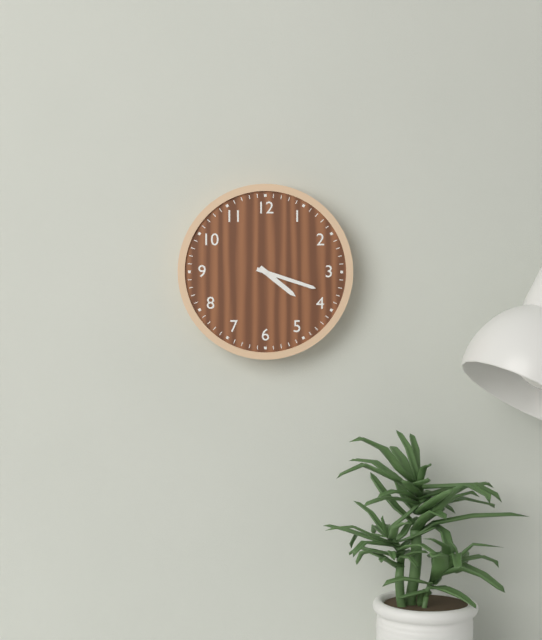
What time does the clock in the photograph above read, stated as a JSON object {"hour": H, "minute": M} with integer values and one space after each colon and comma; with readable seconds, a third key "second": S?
{"hour": 4, "minute": 18}
